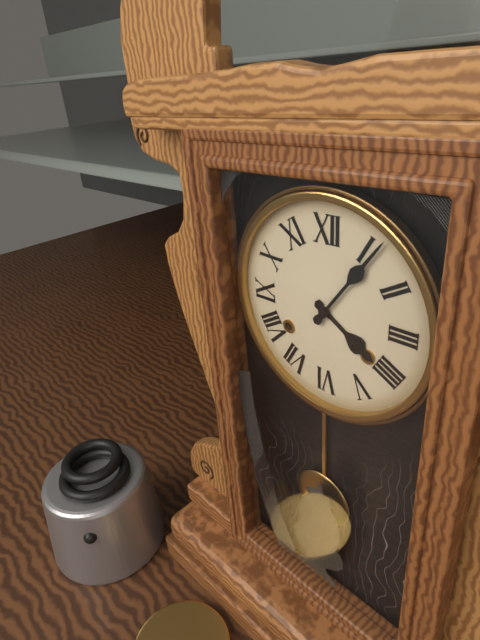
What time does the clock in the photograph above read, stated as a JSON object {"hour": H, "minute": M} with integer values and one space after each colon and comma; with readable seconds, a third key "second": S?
{"hour": 4, "minute": 6}
